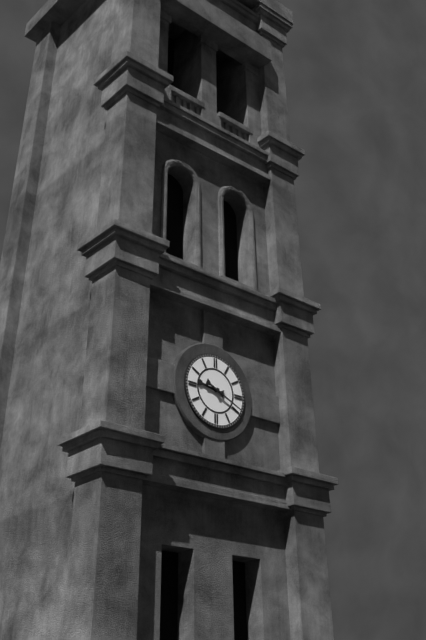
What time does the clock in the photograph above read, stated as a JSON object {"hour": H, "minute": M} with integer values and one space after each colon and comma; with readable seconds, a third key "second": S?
{"hour": 9, "minute": 19}
